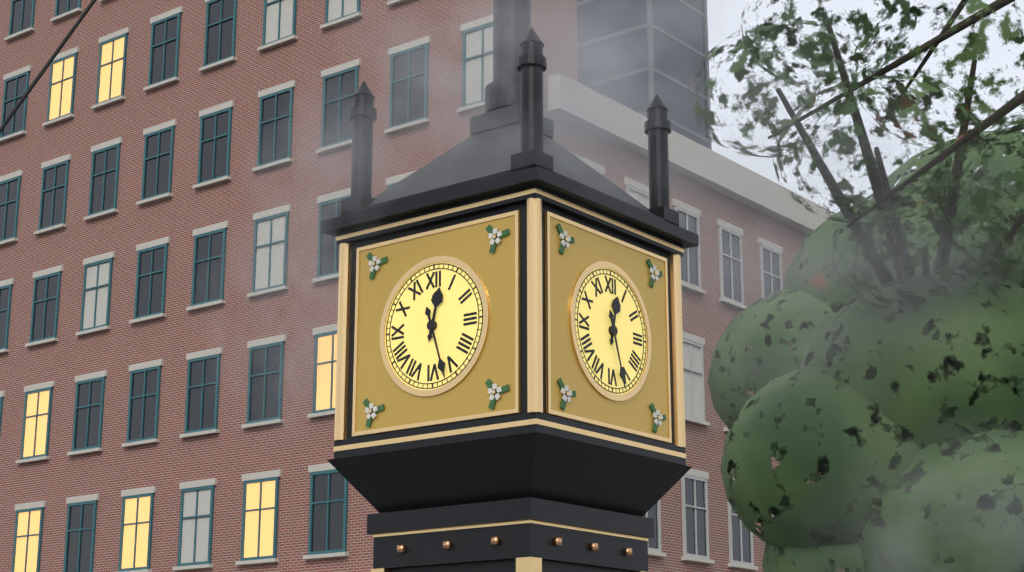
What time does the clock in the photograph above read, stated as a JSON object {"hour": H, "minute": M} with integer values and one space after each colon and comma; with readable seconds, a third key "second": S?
{"hour": 12, "minute": 27}
